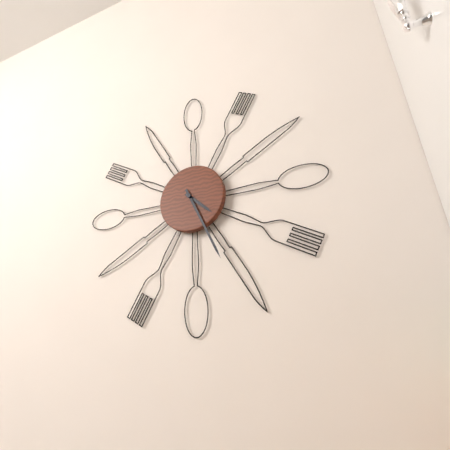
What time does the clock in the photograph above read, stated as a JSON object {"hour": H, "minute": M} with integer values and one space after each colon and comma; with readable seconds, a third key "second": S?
{"hour": 4, "minute": 26}
